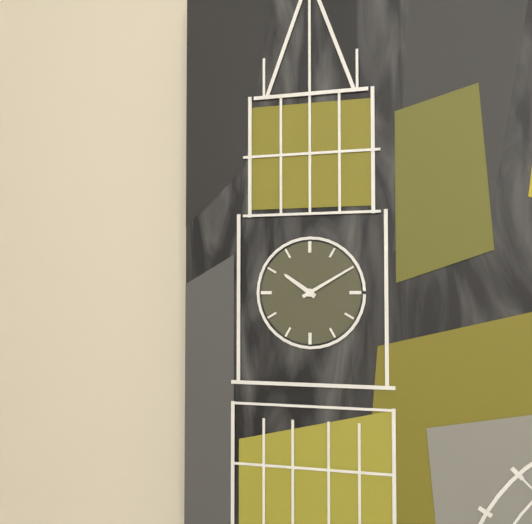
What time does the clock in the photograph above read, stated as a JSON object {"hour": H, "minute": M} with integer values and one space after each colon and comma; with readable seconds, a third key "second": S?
{"hour": 10, "minute": 10}
